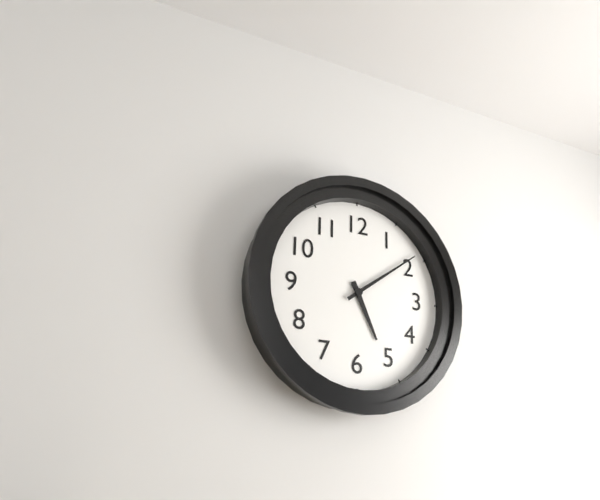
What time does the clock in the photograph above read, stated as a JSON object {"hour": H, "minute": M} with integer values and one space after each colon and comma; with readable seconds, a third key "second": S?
{"hour": 5, "minute": 9}
